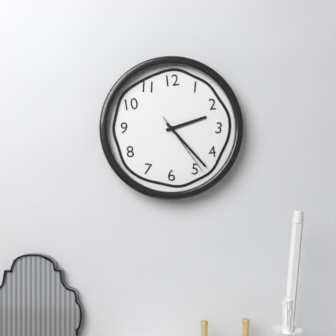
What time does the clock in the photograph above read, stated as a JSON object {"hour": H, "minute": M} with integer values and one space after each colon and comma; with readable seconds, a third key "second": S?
{"hour": 2, "minute": 23, "second": 24}
